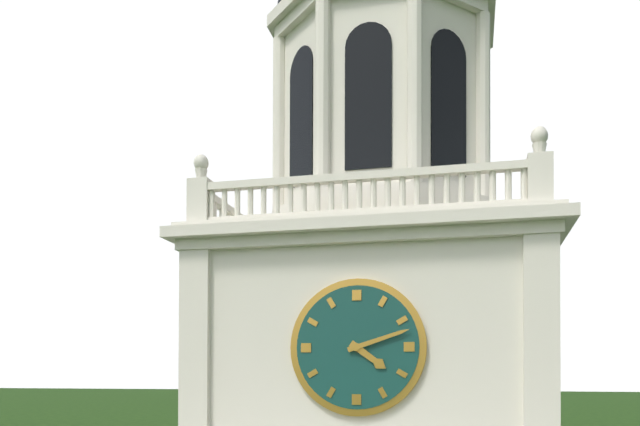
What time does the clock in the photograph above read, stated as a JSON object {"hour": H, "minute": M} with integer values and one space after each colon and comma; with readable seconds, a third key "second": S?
{"hour": 4, "minute": 12}
